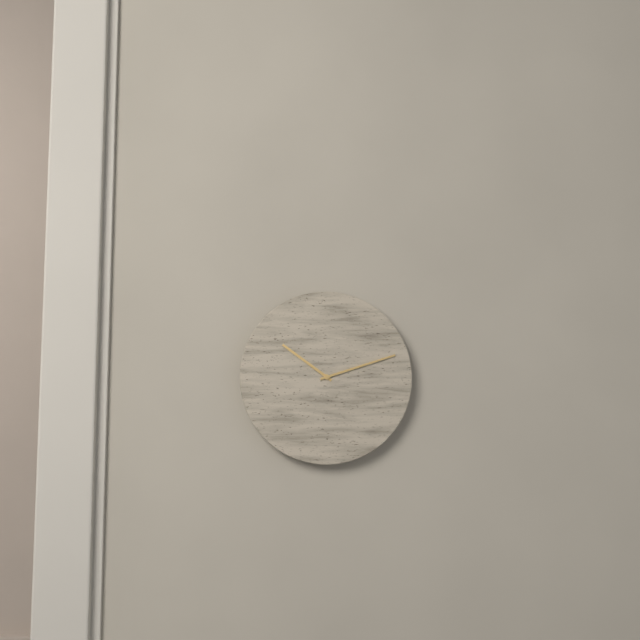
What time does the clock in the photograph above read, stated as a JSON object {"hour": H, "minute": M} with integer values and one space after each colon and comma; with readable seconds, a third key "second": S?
{"hour": 10, "minute": 12}
